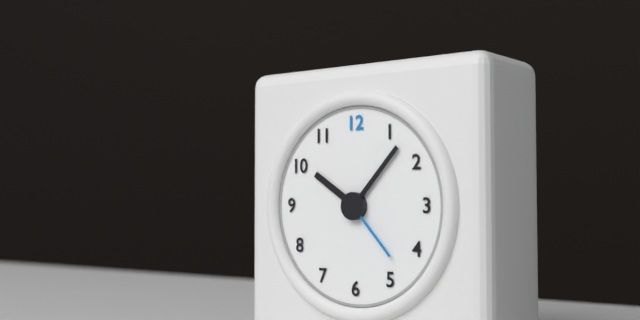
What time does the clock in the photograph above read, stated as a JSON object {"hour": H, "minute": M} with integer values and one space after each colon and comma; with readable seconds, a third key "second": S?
{"hour": 10, "minute": 7, "second": 23}
